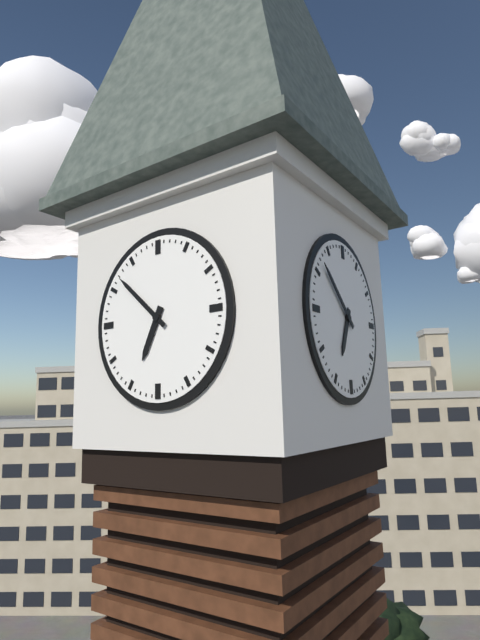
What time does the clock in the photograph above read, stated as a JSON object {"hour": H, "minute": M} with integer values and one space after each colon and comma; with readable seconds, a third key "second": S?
{"hour": 6, "minute": 52}
